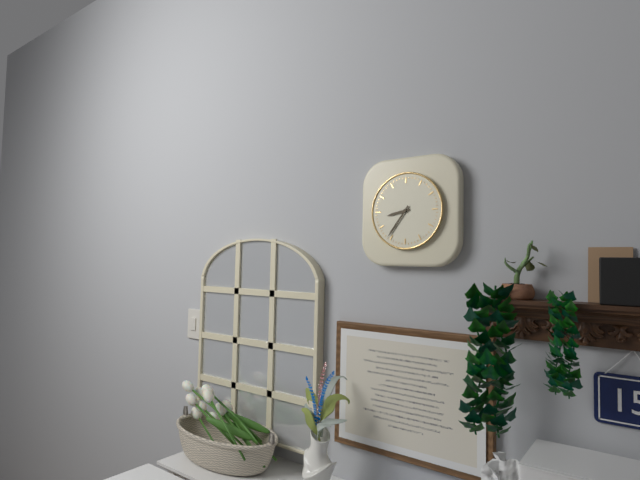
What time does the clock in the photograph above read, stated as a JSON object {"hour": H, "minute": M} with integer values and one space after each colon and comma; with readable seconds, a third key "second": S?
{"hour": 8, "minute": 36}
